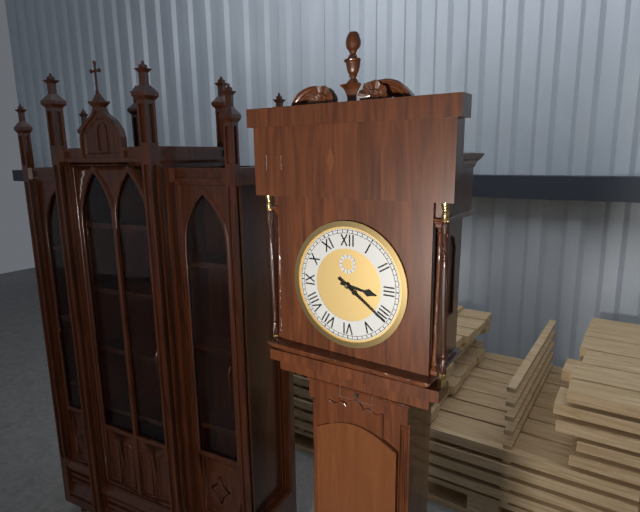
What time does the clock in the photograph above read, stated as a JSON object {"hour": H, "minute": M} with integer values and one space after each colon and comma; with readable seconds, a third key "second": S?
{"hour": 3, "minute": 21}
